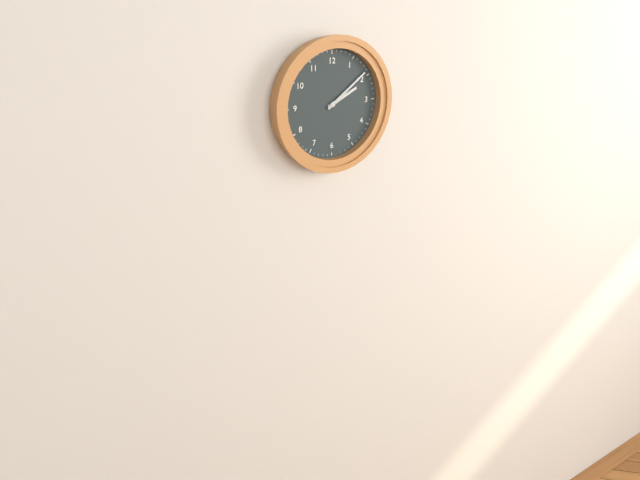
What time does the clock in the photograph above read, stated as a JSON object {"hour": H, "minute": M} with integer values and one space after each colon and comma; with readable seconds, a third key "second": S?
{"hour": 2, "minute": 9}
